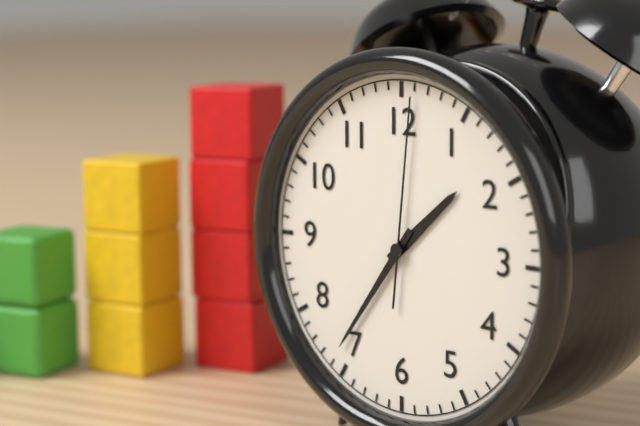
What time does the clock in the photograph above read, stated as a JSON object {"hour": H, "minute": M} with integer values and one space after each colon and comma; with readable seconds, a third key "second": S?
{"hour": 1, "minute": 36, "second": 1}
